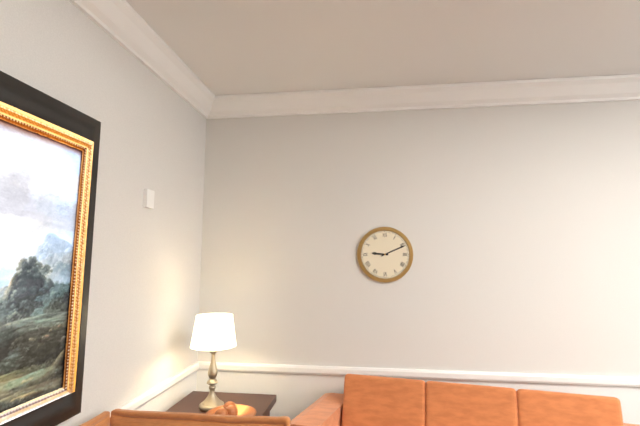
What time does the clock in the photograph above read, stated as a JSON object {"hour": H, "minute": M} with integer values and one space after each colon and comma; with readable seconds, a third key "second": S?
{"hour": 9, "minute": 11}
